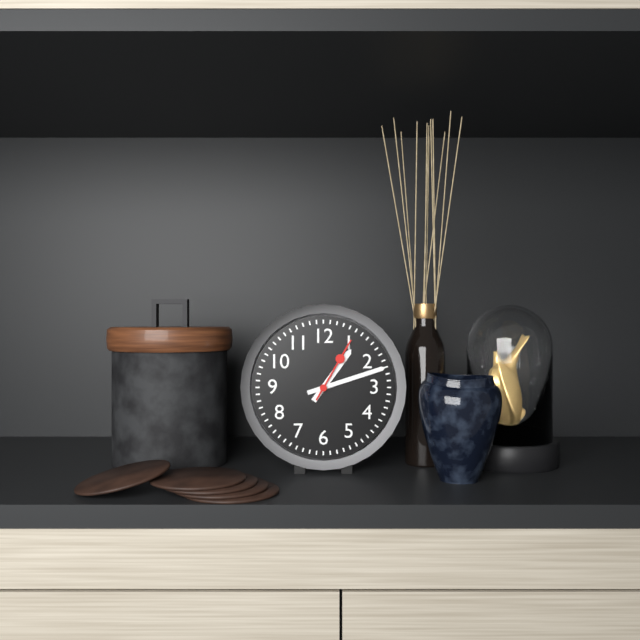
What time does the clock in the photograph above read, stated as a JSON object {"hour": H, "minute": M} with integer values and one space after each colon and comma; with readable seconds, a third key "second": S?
{"hour": 1, "minute": 12, "second": 5}
